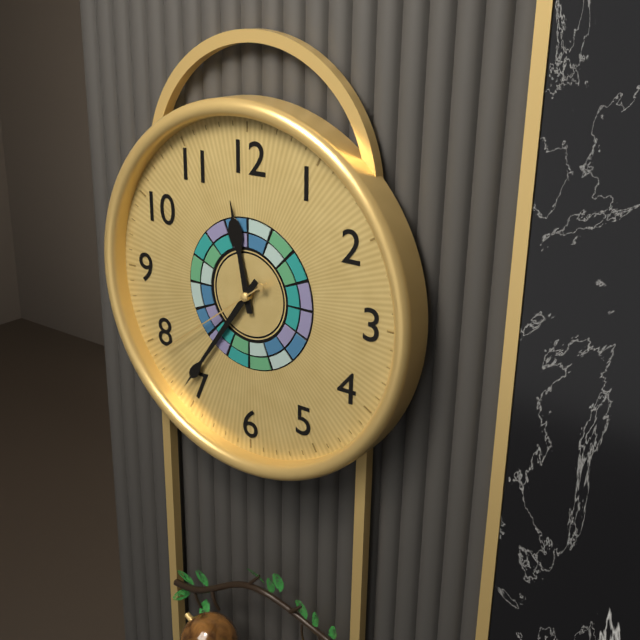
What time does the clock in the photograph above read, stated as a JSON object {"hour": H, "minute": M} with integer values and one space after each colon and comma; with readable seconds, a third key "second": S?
{"hour": 11, "minute": 36, "second": 39}
